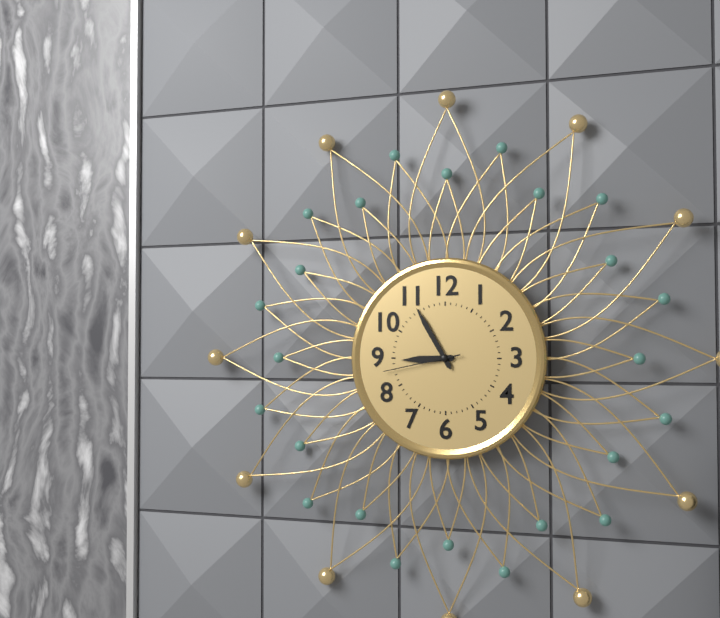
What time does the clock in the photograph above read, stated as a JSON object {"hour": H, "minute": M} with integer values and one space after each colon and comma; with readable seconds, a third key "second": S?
{"hour": 8, "minute": 55, "second": 43}
